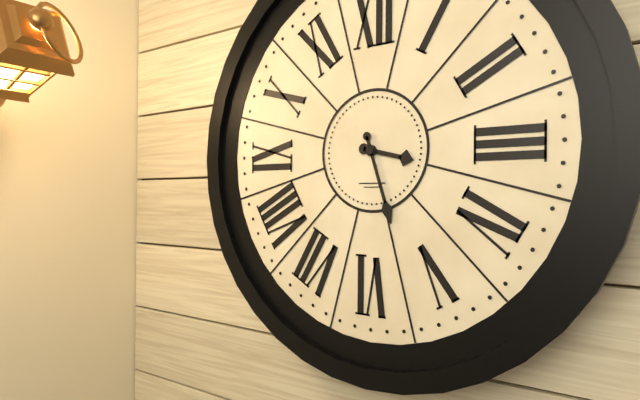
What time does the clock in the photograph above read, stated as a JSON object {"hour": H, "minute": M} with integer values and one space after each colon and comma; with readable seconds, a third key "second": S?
{"hour": 3, "minute": 27}
